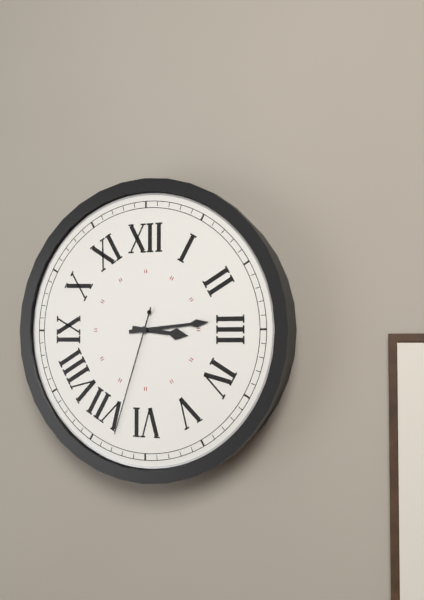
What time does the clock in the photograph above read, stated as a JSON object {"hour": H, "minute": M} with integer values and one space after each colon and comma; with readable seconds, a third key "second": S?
{"hour": 3, "minute": 14, "second": 33}
